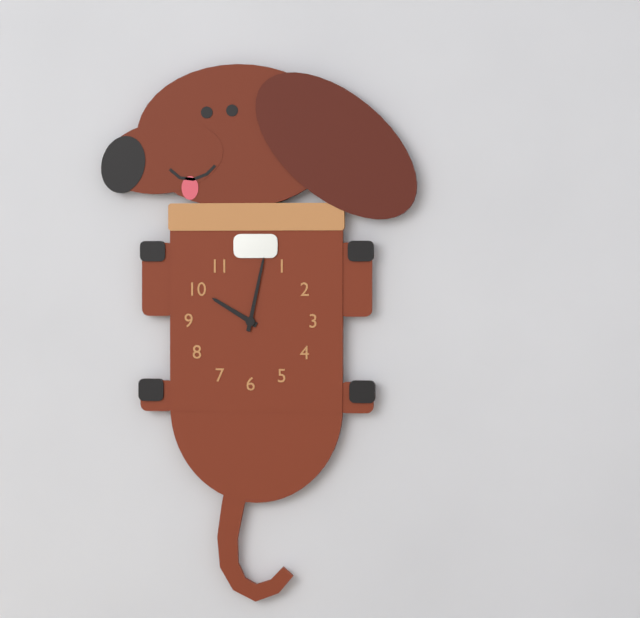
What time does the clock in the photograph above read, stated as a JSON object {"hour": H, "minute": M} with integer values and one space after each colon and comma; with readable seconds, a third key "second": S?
{"hour": 10, "minute": 2}
